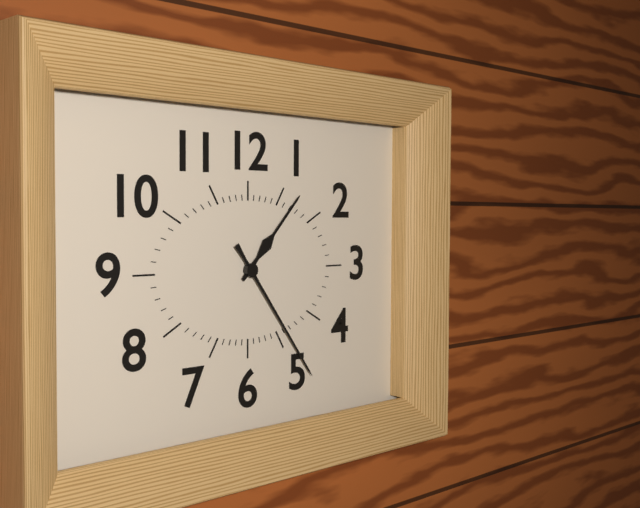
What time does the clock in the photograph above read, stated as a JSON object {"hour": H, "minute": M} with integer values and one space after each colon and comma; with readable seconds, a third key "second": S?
{"hour": 1, "minute": 24}
